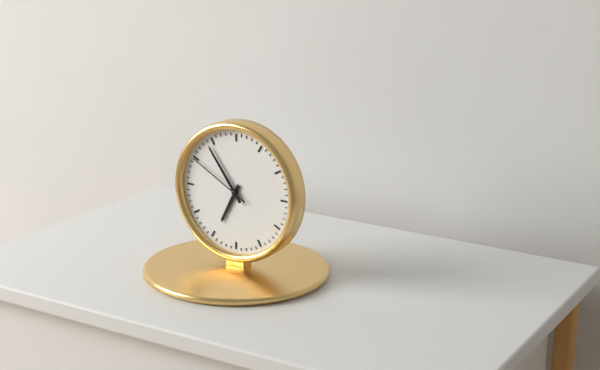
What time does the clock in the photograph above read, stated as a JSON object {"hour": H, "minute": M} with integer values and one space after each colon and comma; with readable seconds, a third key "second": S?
{"hour": 6, "minute": 54, "second": 50}
